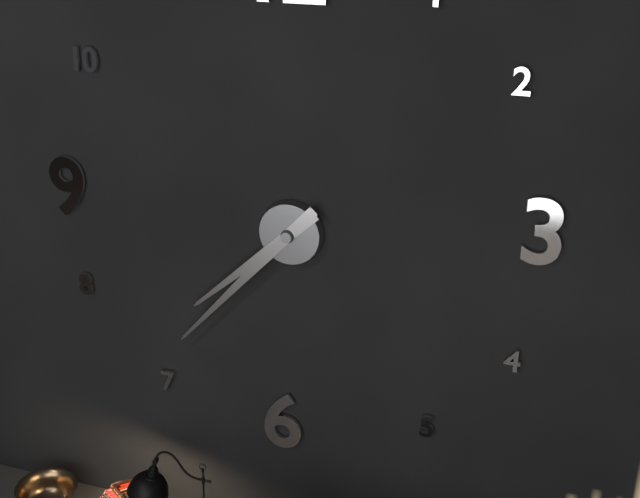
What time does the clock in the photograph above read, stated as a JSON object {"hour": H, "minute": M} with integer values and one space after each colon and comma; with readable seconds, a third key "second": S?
{"hour": 7, "minute": 37}
